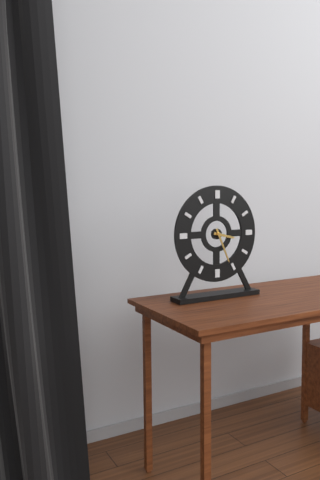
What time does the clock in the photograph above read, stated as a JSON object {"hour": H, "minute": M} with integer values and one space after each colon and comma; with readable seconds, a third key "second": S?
{"hour": 3, "minute": 26}
